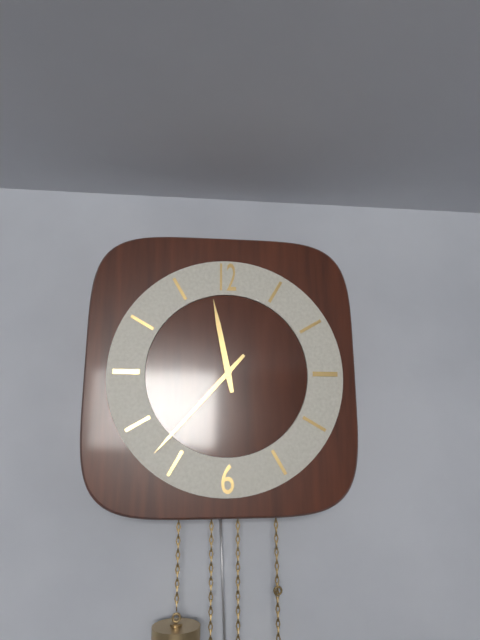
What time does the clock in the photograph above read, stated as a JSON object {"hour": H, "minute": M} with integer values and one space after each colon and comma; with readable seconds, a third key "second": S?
{"hour": 11, "minute": 37}
